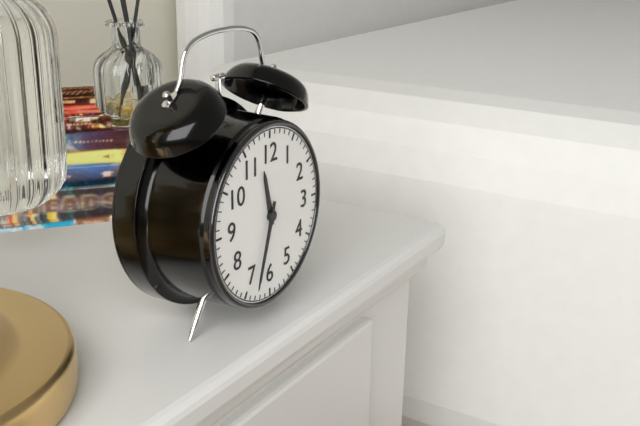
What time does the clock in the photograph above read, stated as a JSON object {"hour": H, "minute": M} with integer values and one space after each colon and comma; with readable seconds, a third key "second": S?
{"hour": 11, "minute": 33}
